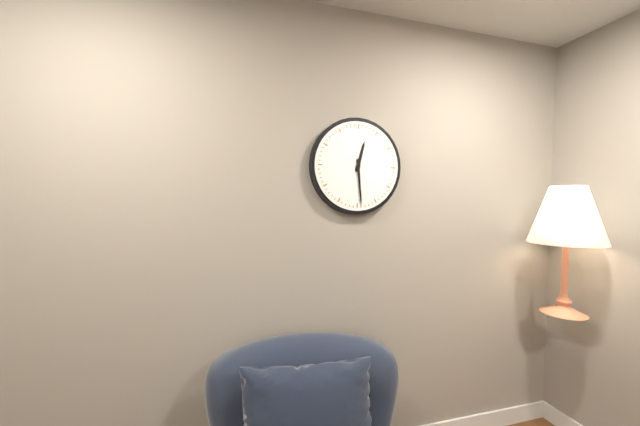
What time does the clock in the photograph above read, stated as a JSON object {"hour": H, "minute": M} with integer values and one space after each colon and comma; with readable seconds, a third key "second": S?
{"hour": 12, "minute": 29}
